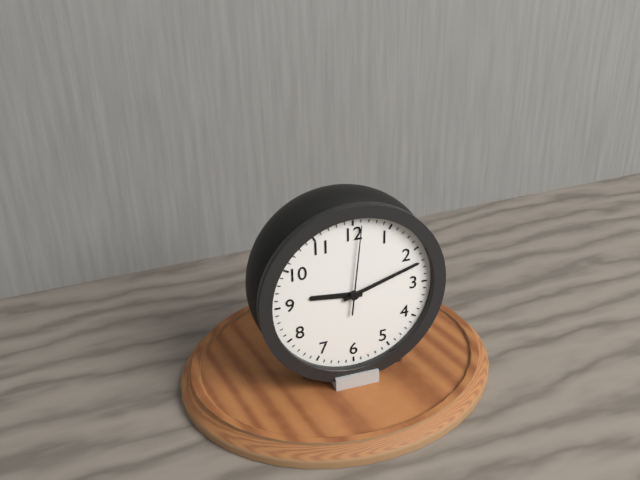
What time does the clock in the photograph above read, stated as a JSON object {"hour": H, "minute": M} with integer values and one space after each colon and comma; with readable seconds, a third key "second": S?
{"hour": 9, "minute": 12, "second": 1}
